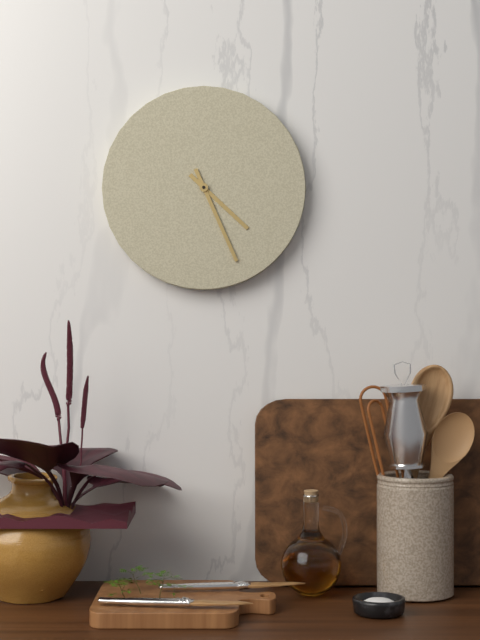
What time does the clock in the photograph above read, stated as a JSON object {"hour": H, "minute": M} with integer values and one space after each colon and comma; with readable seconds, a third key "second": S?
{"hour": 4, "minute": 26}
